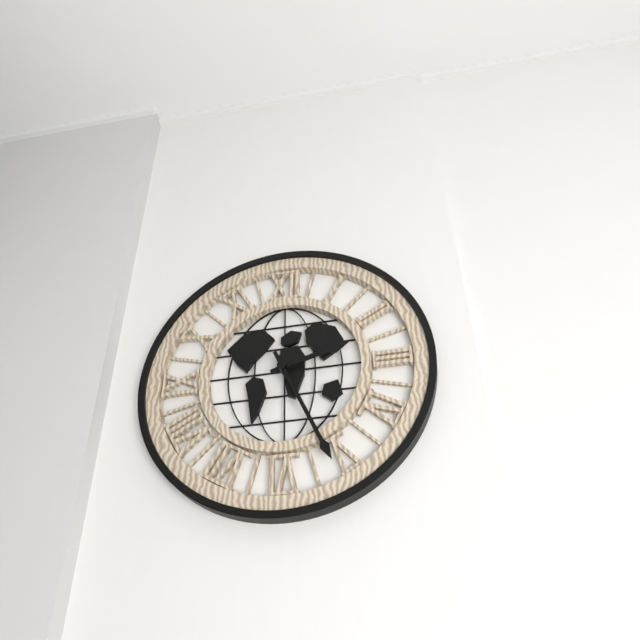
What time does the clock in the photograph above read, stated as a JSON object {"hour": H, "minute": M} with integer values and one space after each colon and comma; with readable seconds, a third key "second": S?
{"hour": 2, "minute": 26}
